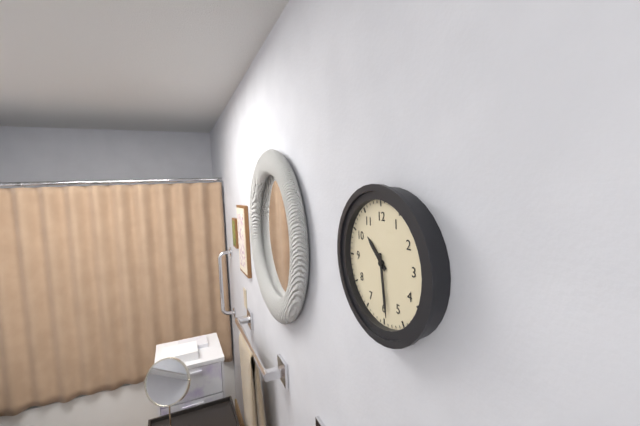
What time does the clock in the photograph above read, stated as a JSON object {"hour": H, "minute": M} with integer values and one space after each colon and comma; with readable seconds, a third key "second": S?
{"hour": 10, "minute": 29}
